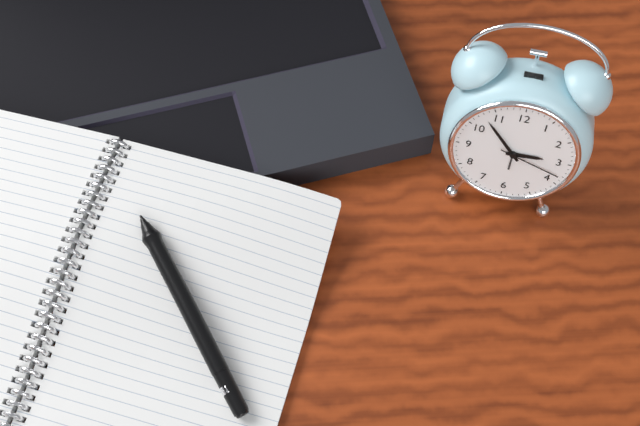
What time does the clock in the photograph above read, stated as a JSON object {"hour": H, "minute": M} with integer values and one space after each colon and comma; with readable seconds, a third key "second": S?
{"hour": 2, "minute": 53, "second": 18}
